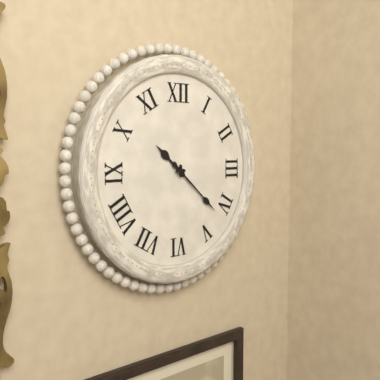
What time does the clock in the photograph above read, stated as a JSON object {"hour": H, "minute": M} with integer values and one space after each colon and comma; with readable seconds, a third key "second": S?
{"hour": 10, "minute": 22}
